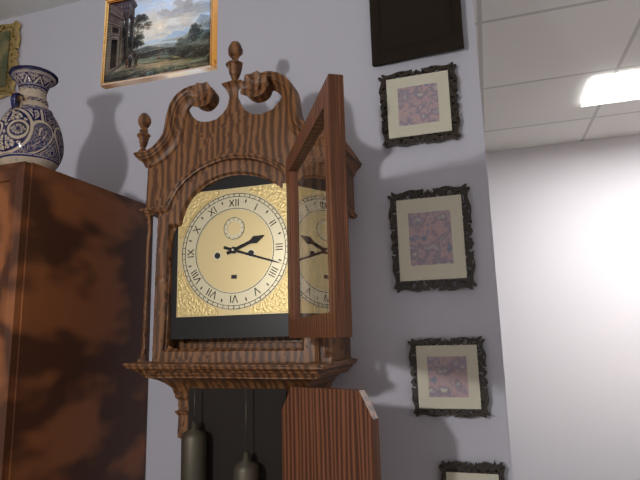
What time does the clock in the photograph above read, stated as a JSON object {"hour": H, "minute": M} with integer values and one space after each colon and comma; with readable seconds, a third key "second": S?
{"hour": 2, "minute": 18}
